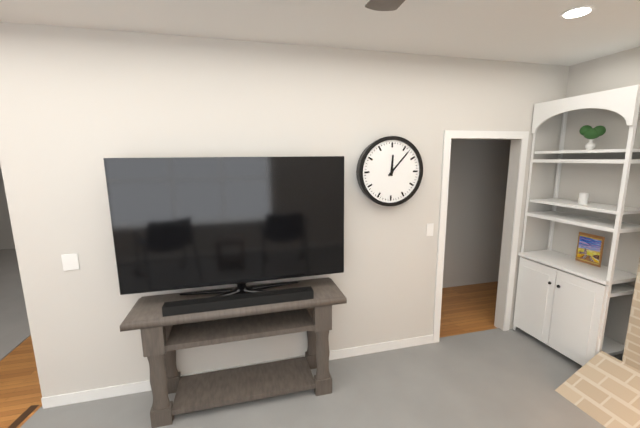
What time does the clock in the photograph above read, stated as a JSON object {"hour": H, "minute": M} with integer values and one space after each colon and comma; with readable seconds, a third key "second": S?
{"hour": 12, "minute": 7}
